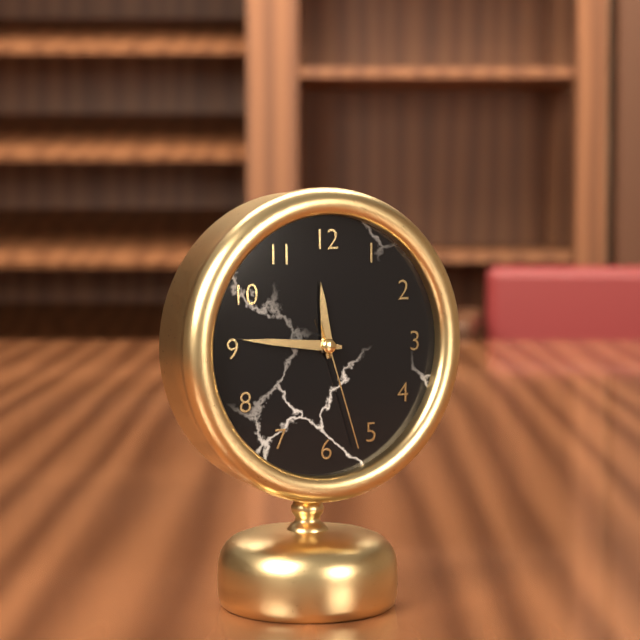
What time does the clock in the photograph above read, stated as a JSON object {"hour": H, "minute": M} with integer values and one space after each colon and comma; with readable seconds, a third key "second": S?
{"hour": 11, "minute": 46, "second": 27}
